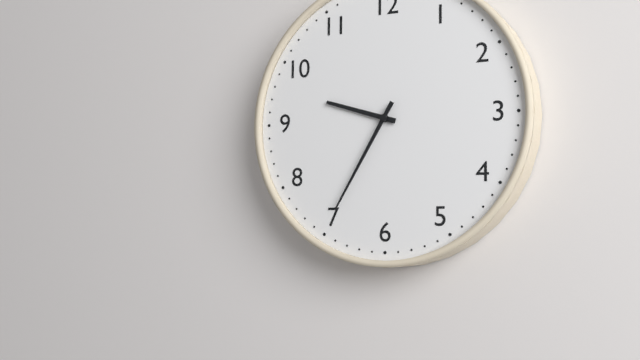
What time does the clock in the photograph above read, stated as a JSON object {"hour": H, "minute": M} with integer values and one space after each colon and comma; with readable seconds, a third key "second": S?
{"hour": 9, "minute": 35}
